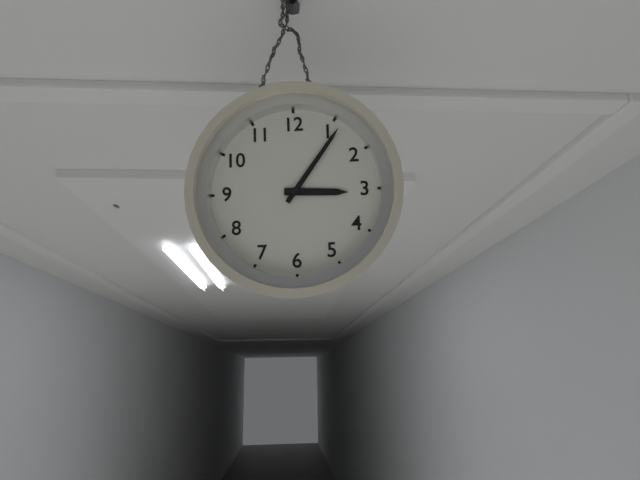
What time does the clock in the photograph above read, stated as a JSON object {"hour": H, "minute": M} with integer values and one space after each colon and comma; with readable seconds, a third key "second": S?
{"hour": 3, "minute": 6}
